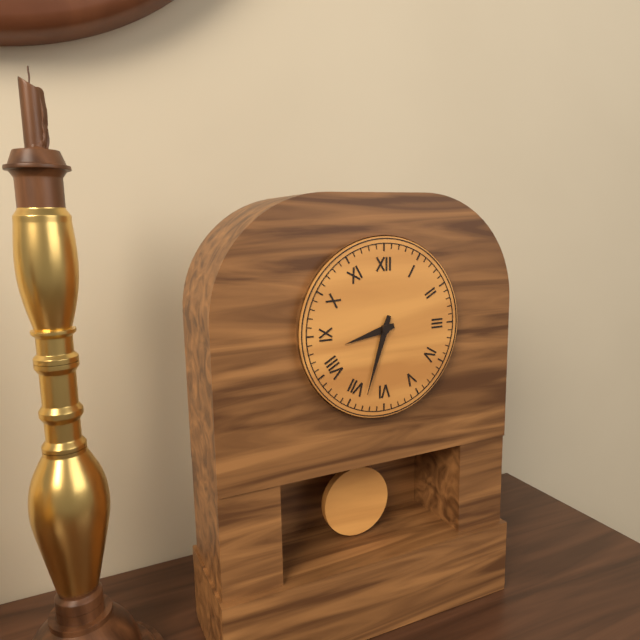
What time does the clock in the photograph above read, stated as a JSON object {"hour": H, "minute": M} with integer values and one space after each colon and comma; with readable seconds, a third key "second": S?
{"hour": 8, "minute": 33}
